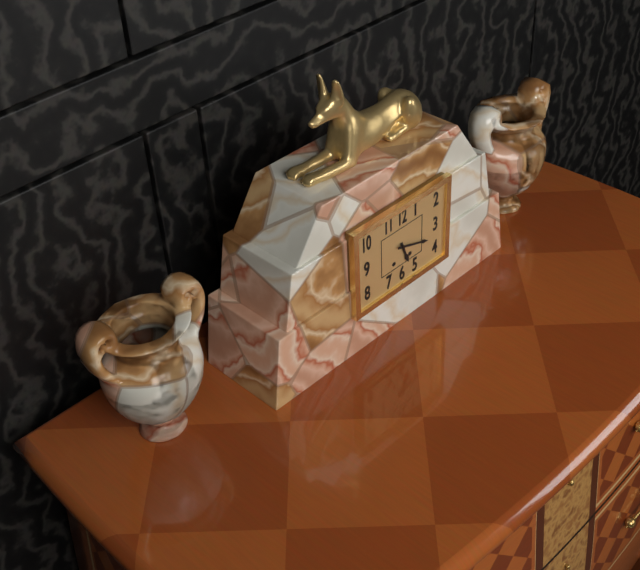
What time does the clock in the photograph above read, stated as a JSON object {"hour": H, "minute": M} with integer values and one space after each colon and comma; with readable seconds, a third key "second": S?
{"hour": 5, "minute": 18}
